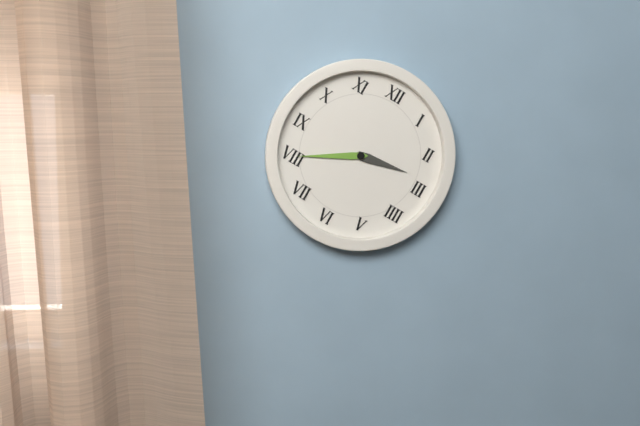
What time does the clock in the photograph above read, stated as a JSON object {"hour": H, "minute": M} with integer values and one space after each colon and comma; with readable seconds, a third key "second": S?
{"hour": 2, "minute": 40}
